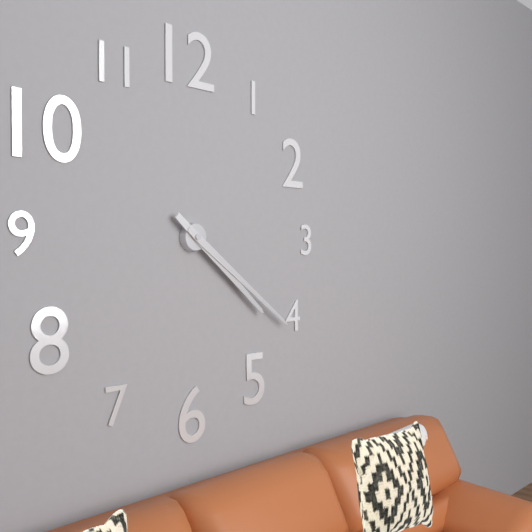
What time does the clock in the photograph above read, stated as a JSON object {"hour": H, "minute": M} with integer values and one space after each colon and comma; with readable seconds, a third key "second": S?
{"hour": 4, "minute": 21}
